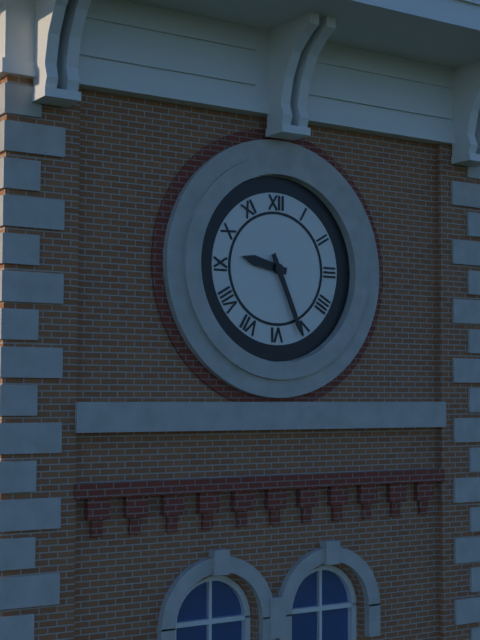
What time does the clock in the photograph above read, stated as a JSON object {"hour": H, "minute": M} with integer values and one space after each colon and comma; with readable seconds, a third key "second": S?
{"hour": 9, "minute": 26}
